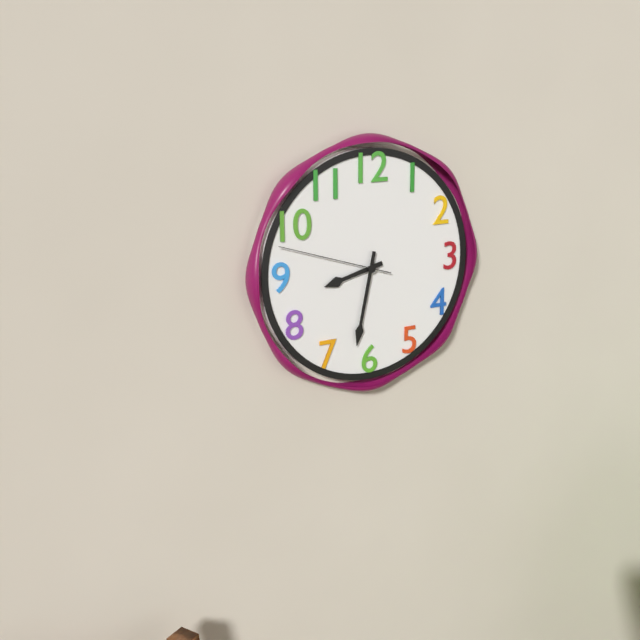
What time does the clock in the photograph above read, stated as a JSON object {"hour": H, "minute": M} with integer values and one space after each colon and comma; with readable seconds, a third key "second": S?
{"hour": 8, "minute": 32, "second": 48}
